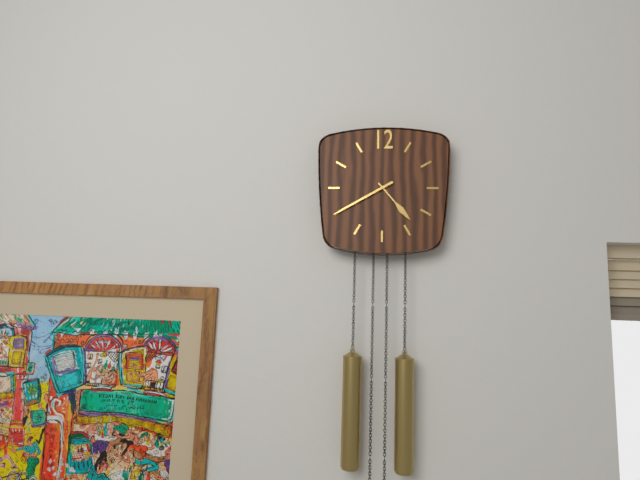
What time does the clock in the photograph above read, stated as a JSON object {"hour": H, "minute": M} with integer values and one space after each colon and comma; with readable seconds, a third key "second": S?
{"hour": 4, "minute": 40}
